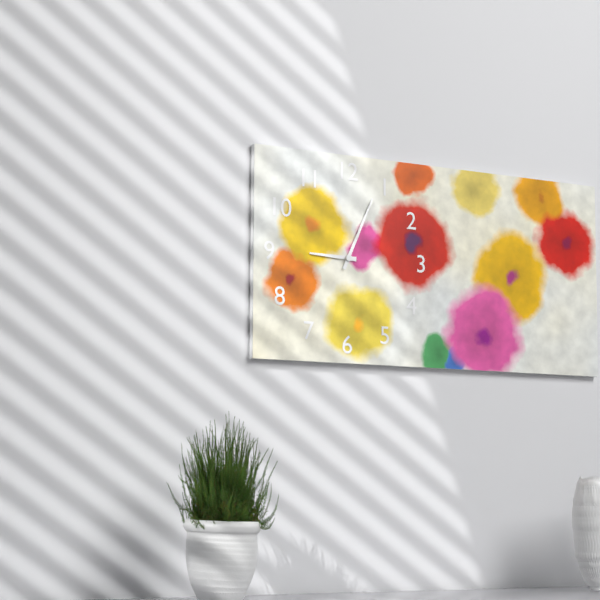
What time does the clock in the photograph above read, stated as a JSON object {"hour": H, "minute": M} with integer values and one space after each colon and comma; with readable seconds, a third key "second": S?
{"hour": 9, "minute": 4}
